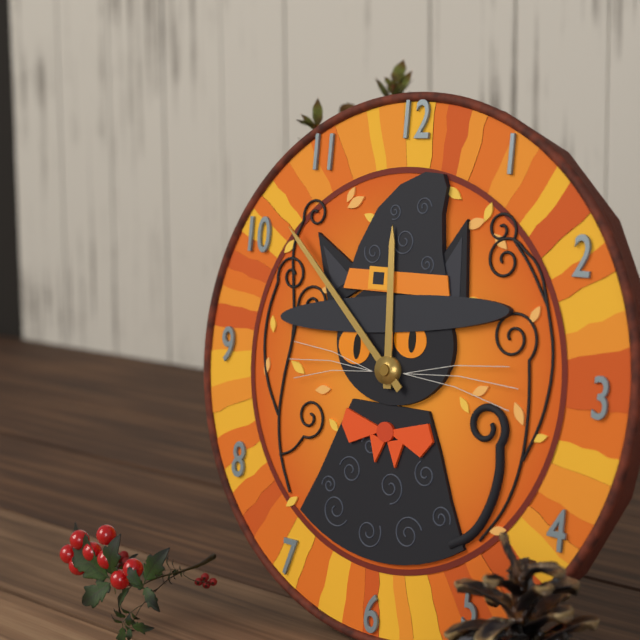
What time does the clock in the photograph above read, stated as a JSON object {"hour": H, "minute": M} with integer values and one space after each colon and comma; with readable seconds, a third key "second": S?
{"hour": 11, "minute": 52}
